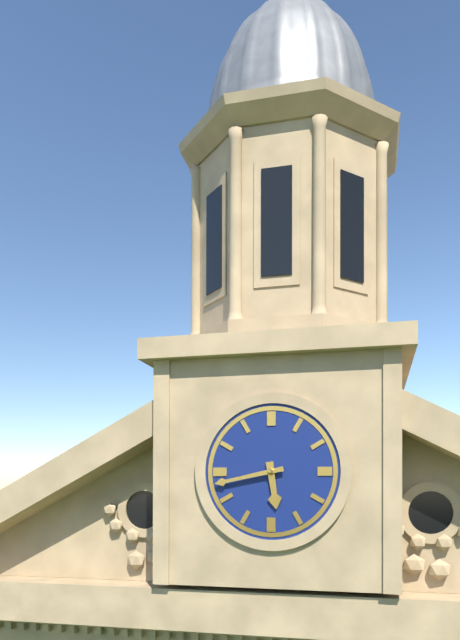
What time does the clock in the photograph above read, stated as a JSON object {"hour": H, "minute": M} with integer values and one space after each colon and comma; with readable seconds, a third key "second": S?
{"hour": 5, "minute": 43}
